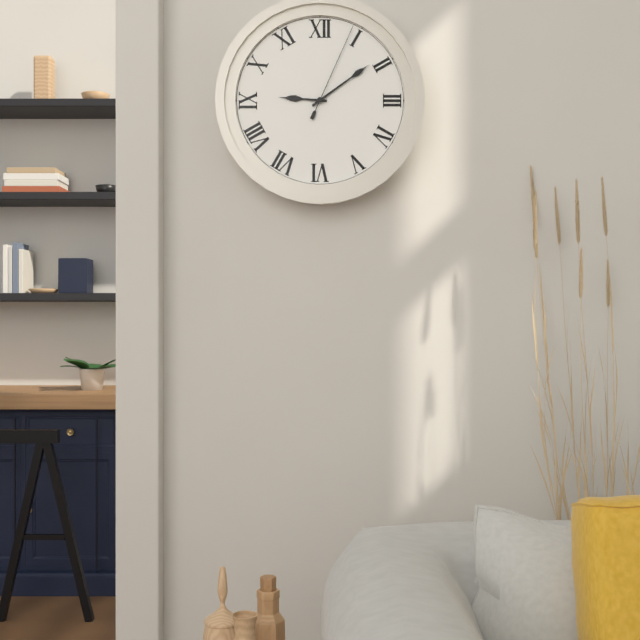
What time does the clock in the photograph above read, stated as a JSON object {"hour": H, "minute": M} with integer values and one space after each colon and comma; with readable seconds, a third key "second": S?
{"hour": 9, "minute": 9, "second": 4}
